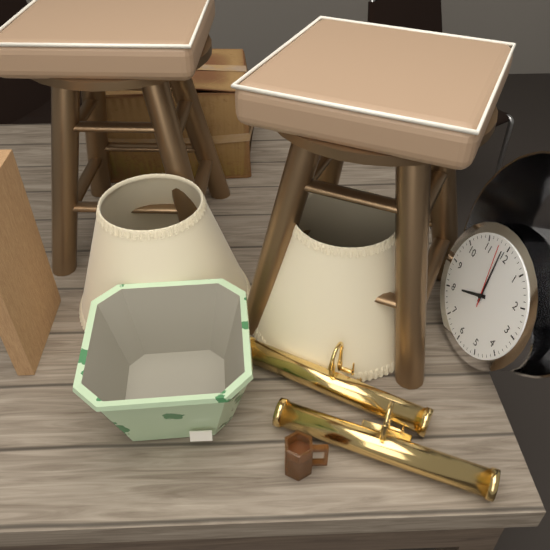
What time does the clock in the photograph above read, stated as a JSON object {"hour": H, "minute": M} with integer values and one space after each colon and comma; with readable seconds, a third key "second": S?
{"hour": 7, "minute": 59, "second": 58}
